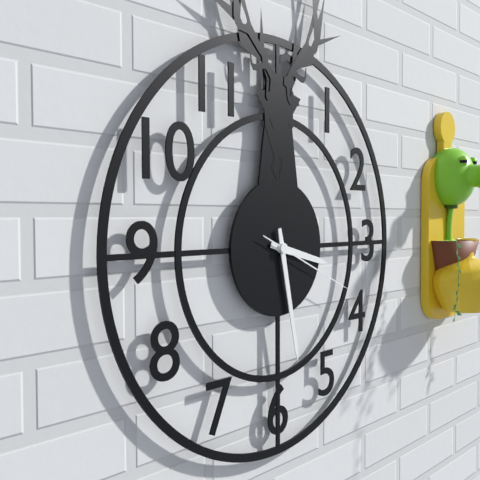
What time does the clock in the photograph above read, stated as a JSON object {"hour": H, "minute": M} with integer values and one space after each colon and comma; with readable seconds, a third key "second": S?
{"hour": 3, "minute": 28, "second": 19}
